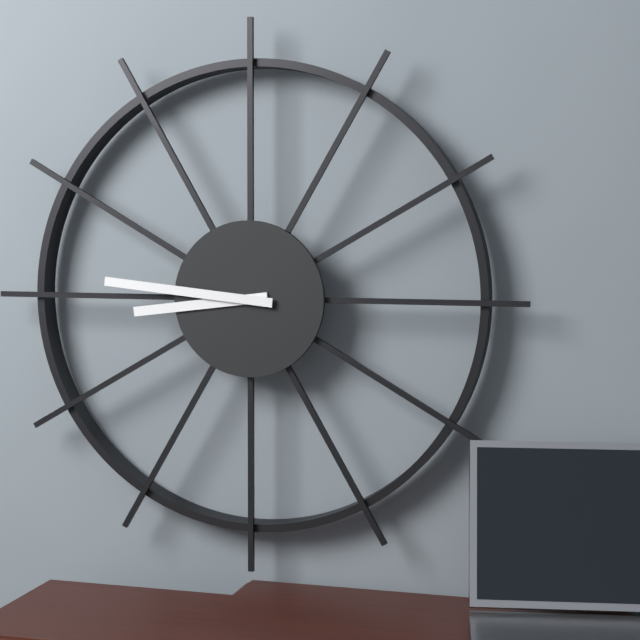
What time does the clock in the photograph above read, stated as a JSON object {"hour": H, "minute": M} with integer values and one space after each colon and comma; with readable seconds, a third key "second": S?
{"hour": 8, "minute": 46}
